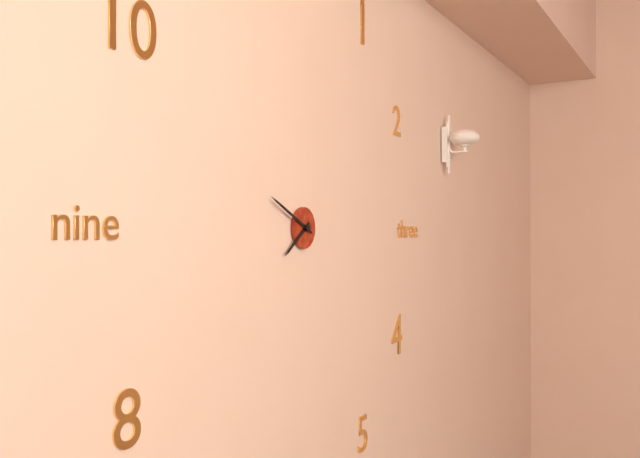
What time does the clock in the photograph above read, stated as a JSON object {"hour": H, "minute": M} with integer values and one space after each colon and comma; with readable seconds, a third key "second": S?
{"hour": 7, "minute": 49}
